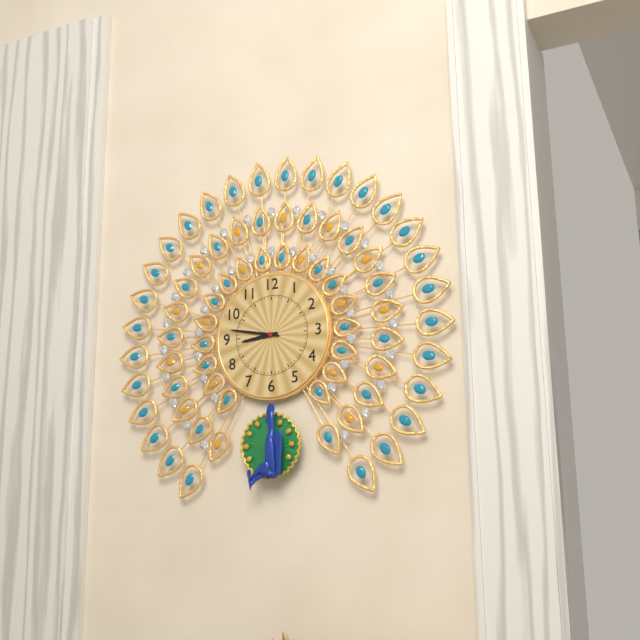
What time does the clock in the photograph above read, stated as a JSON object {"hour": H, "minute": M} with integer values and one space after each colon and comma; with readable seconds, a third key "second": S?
{"hour": 8, "minute": 47}
